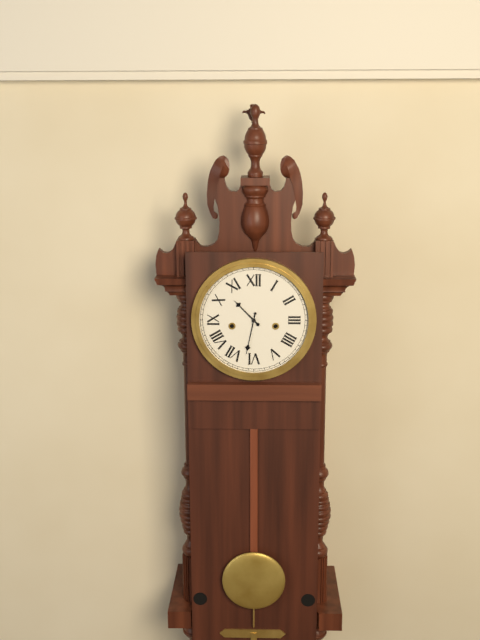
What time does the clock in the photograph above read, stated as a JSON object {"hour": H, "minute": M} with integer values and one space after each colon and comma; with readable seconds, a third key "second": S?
{"hour": 10, "minute": 32}
